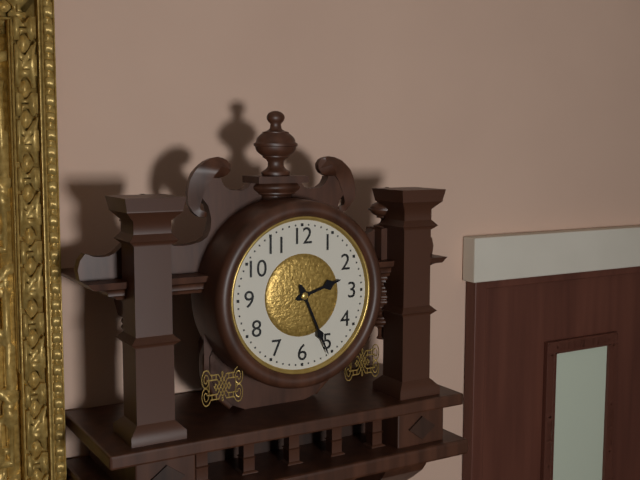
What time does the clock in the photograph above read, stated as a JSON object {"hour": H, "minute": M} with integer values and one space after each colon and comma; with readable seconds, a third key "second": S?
{"hour": 2, "minute": 26}
